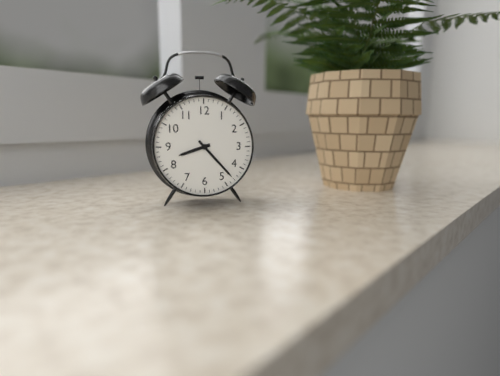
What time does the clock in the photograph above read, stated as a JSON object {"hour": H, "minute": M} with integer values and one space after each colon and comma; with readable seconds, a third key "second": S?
{"hour": 8, "minute": 23}
